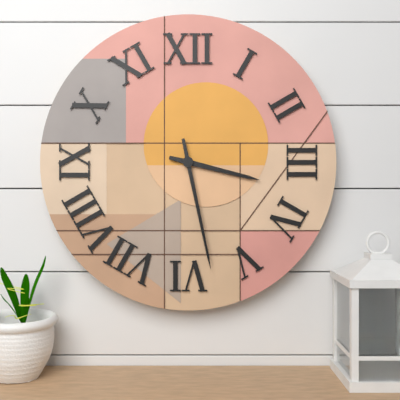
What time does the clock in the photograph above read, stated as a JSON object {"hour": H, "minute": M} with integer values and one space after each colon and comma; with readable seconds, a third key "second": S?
{"hour": 3, "minute": 28}
